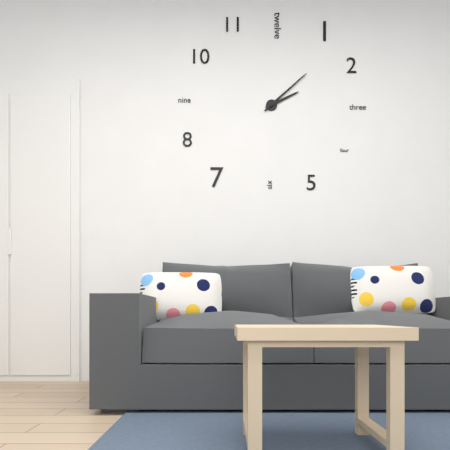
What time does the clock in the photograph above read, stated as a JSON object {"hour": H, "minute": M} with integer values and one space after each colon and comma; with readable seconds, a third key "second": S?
{"hour": 2, "minute": 8}
